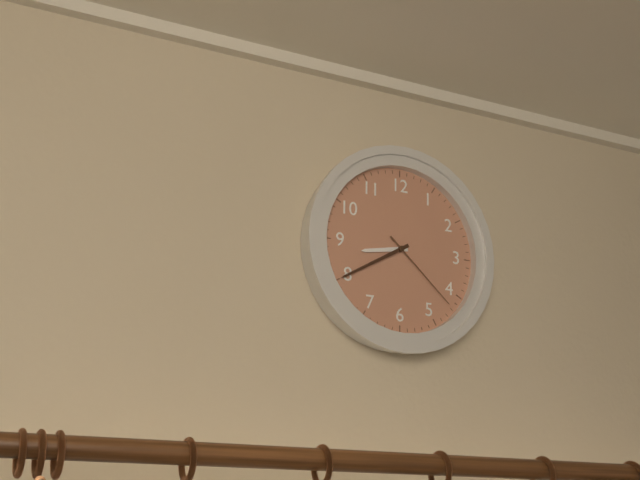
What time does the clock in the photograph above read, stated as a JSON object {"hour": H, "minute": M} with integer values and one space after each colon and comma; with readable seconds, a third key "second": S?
{"hour": 8, "minute": 40, "second": 22}
